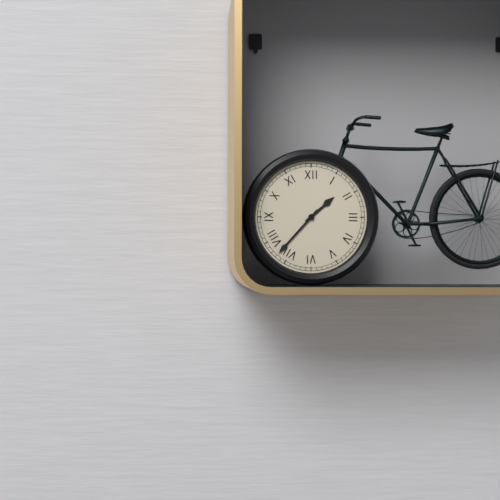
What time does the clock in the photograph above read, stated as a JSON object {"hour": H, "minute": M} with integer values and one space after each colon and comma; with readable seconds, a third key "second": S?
{"hour": 1, "minute": 37}
